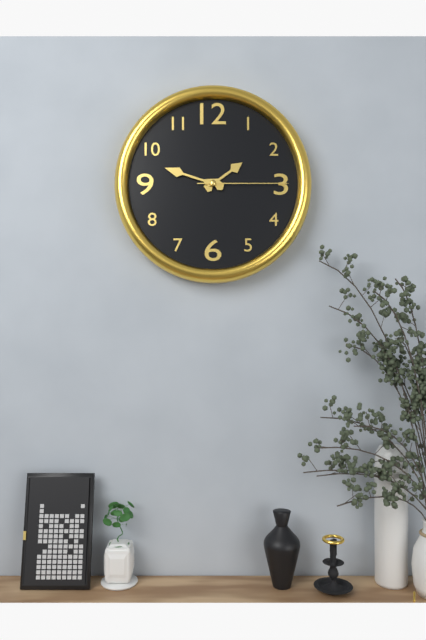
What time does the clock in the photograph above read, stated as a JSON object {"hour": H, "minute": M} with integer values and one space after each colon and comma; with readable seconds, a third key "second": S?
{"hour": 1, "minute": 48, "second": 15}
